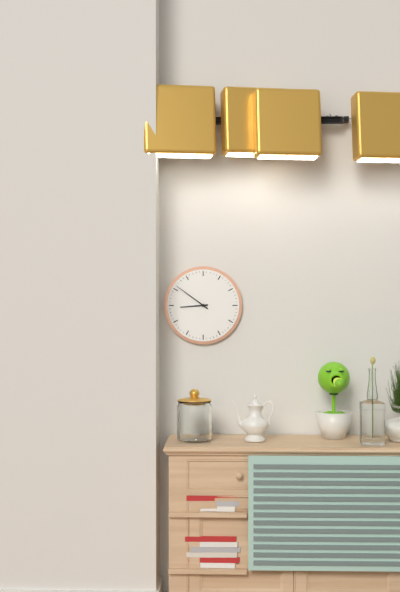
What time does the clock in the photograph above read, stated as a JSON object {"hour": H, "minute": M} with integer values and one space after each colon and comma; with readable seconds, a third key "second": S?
{"hour": 8, "minute": 51}
